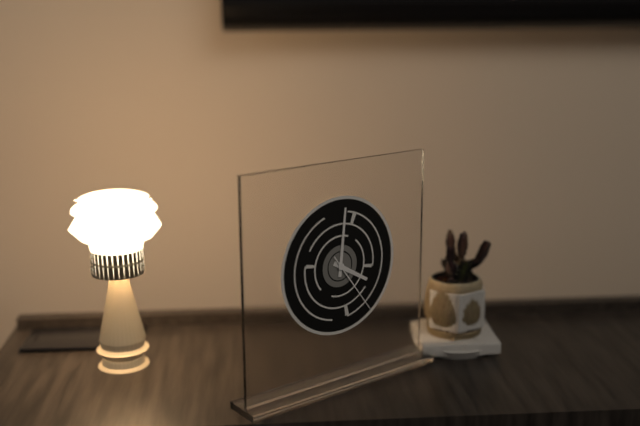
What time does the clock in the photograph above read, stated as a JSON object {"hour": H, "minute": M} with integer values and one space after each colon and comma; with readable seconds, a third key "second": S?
{"hour": 4, "minute": 1, "second": 24}
